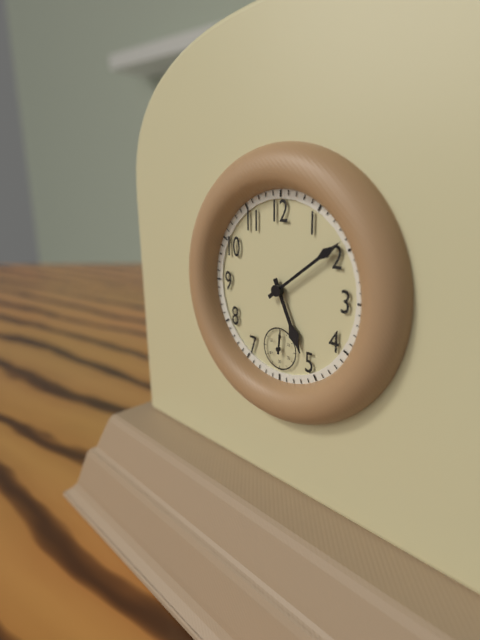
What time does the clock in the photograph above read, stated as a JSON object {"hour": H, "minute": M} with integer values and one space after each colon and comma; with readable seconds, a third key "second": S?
{"hour": 5, "minute": 9}
